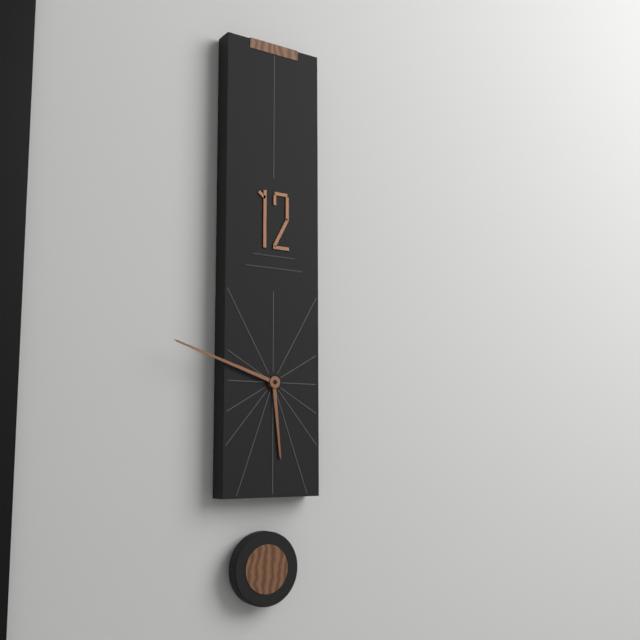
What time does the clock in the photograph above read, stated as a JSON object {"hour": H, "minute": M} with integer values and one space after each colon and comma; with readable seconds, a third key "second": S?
{"hour": 5, "minute": 48}
